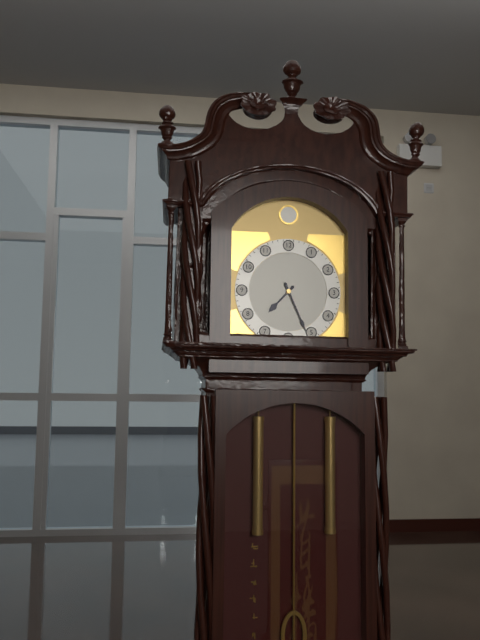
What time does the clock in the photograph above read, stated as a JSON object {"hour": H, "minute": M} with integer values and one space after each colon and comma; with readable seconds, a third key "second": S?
{"hour": 7, "minute": 26}
